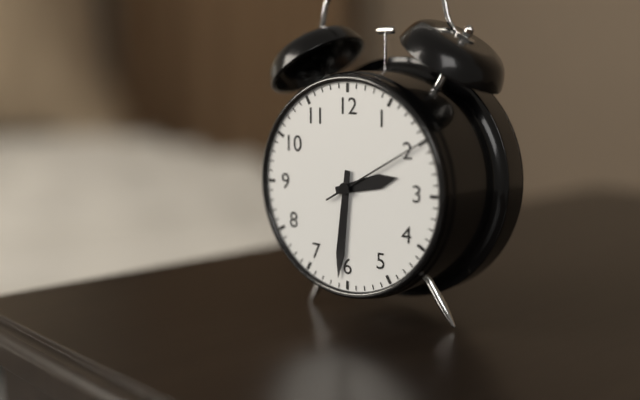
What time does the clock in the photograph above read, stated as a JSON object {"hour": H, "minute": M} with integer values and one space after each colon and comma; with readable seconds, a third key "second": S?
{"hour": 2, "minute": 31, "second": 10}
